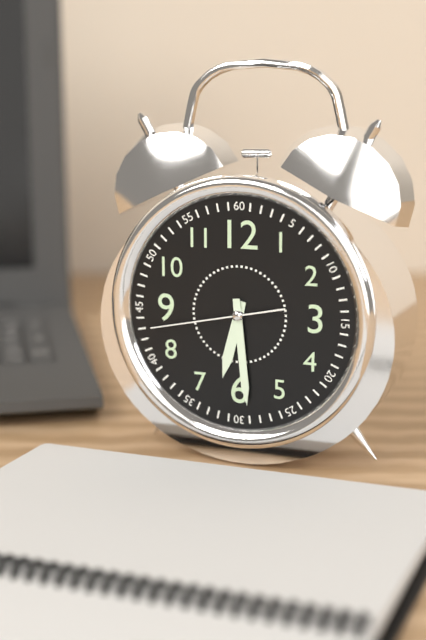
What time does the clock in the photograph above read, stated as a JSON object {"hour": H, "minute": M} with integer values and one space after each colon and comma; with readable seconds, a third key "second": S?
{"hour": 6, "minute": 29, "second": 43}
